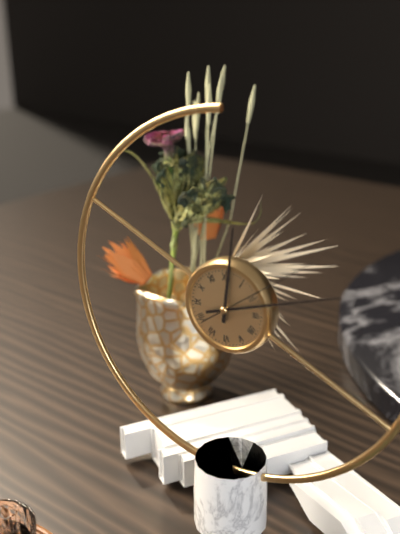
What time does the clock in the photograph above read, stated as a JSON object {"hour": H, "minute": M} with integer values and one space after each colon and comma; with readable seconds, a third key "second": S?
{"hour": 12, "minute": 12, "second": 9}
